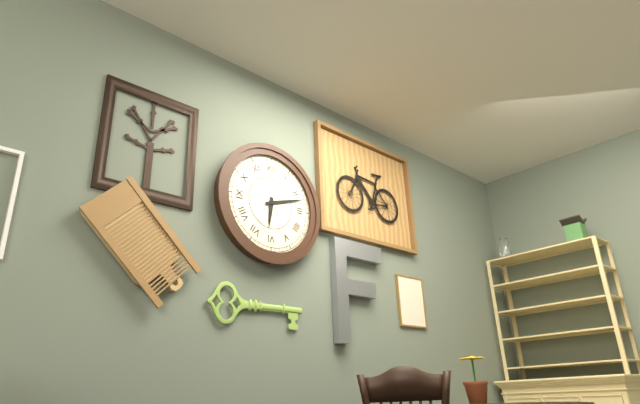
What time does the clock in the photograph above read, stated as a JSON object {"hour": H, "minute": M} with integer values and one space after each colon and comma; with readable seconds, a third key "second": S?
{"hour": 6, "minute": 12}
